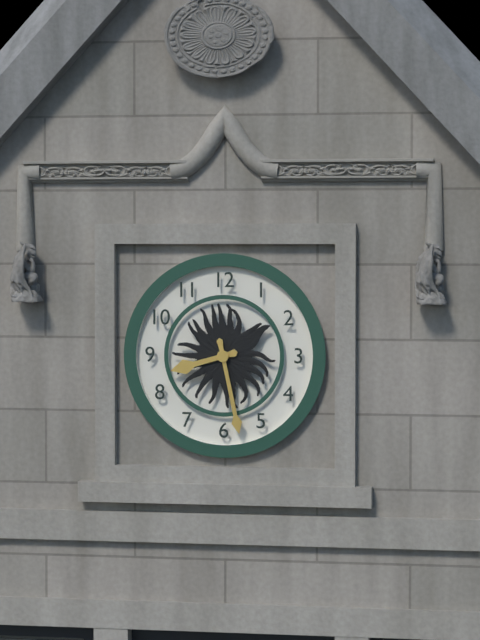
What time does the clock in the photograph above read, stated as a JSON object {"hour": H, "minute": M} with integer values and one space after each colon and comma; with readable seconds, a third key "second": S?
{"hour": 8, "minute": 28}
